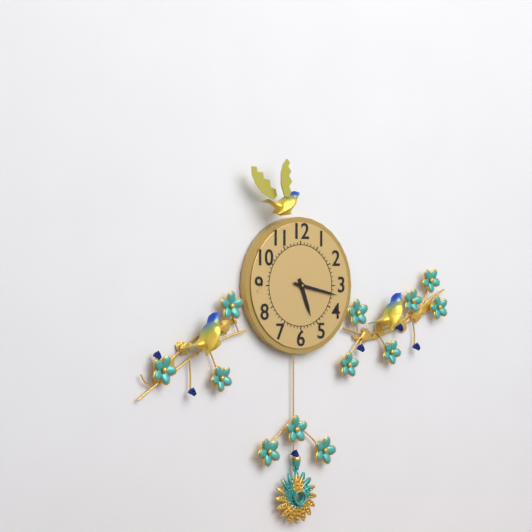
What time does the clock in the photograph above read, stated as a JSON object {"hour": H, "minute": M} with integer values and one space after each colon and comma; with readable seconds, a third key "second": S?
{"hour": 5, "minute": 17}
